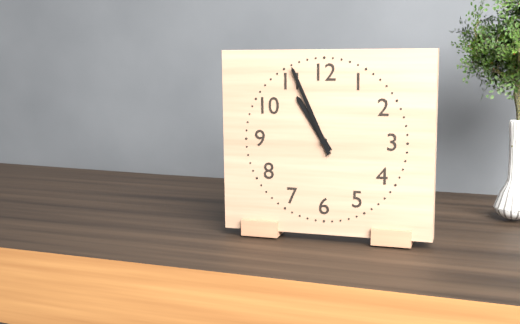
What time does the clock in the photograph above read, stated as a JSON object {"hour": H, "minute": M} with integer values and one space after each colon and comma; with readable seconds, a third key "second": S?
{"hour": 10, "minute": 56}
